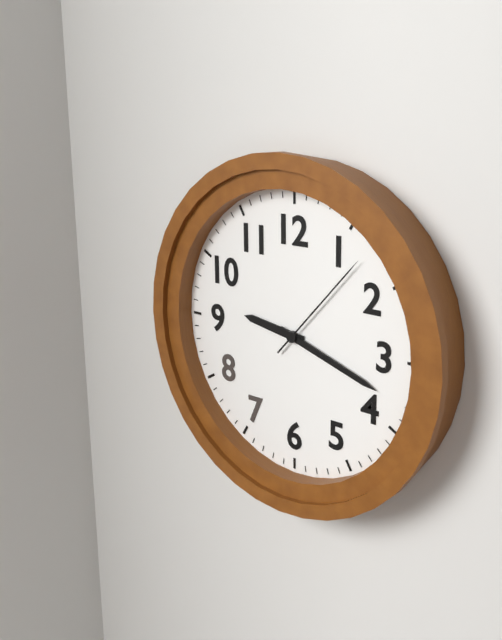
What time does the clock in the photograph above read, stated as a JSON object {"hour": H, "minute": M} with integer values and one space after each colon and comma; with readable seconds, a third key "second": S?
{"hour": 9, "minute": 18, "second": 7}
